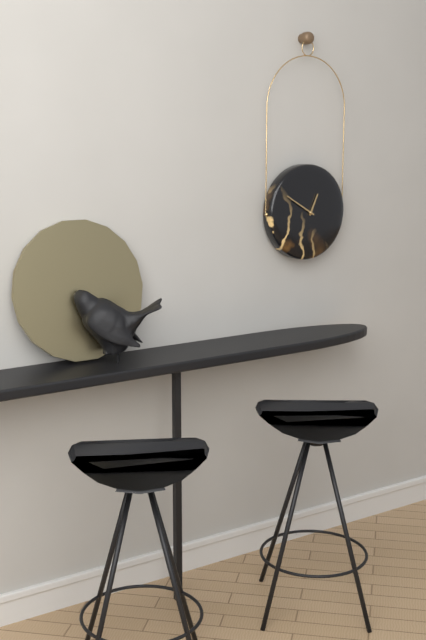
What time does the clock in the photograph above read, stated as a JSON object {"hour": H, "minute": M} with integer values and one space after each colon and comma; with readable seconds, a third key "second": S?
{"hour": 12, "minute": 50}
